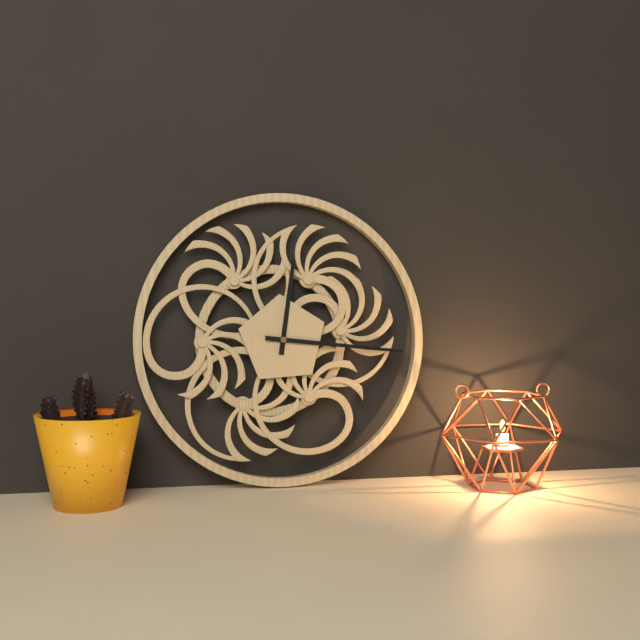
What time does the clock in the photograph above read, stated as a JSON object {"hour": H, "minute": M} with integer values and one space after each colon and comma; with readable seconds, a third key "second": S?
{"hour": 12, "minute": 16}
